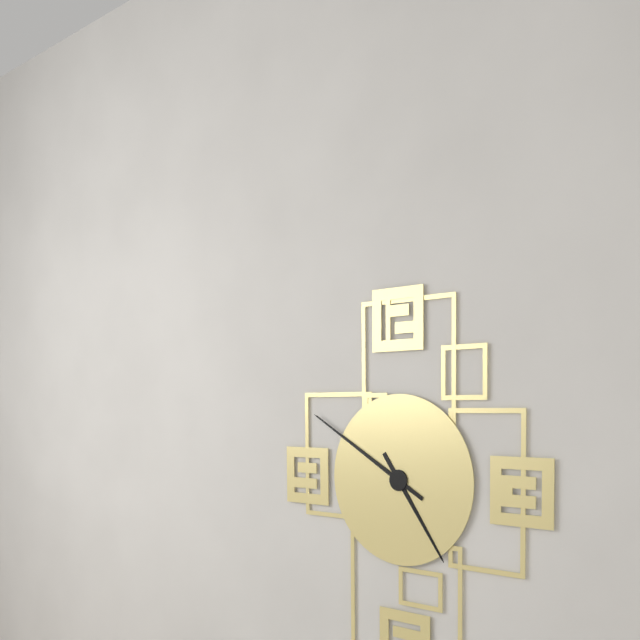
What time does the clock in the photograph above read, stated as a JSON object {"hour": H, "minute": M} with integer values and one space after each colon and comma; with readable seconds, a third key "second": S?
{"hour": 4, "minute": 50}
